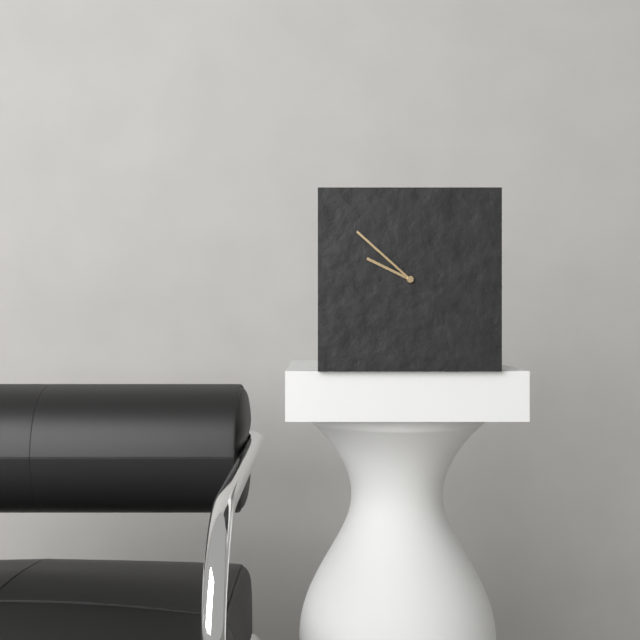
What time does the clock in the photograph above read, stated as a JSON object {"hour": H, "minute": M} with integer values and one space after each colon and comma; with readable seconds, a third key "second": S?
{"hour": 9, "minute": 52}
